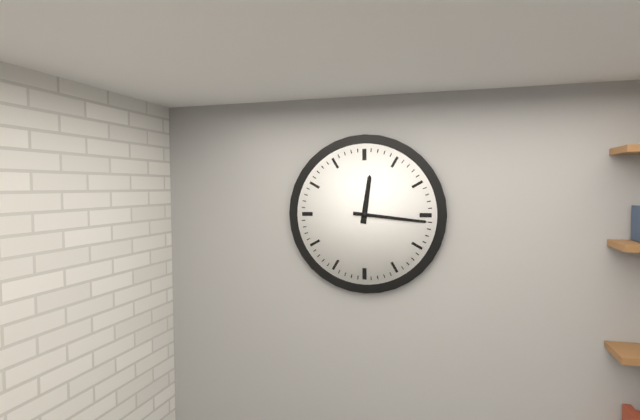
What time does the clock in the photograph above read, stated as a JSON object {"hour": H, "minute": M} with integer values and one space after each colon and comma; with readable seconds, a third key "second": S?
{"hour": 12, "minute": 16}
